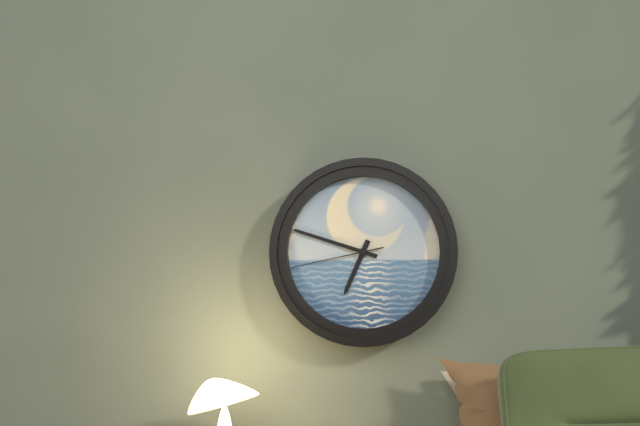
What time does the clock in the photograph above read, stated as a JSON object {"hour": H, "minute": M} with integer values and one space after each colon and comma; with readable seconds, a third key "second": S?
{"hour": 6, "minute": 48, "second": 43}
